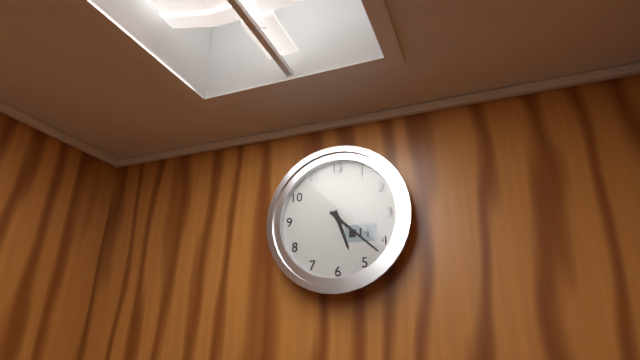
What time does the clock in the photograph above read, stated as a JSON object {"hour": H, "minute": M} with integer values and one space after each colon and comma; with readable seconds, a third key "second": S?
{"hour": 5, "minute": 22}
